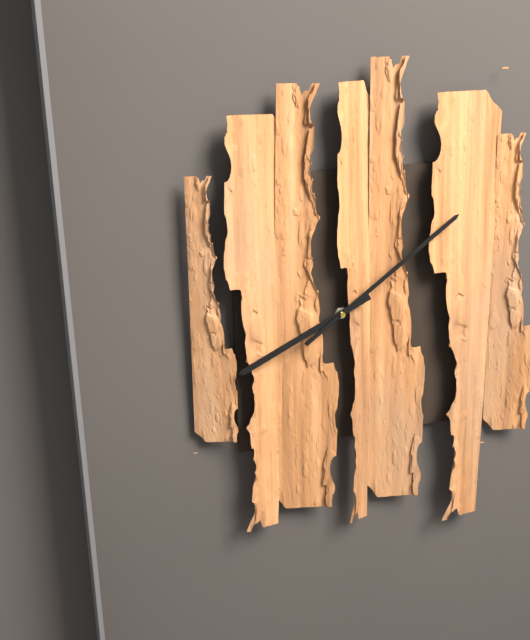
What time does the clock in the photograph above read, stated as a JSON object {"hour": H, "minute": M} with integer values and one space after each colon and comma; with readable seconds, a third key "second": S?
{"hour": 8, "minute": 9}
